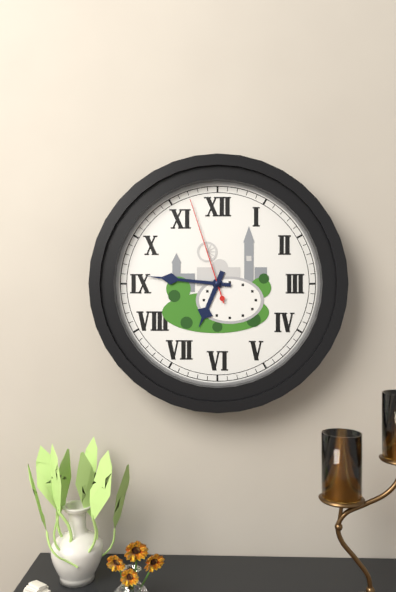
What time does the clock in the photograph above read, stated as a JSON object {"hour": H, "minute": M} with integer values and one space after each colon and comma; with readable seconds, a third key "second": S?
{"hour": 6, "minute": 46, "second": 57}
